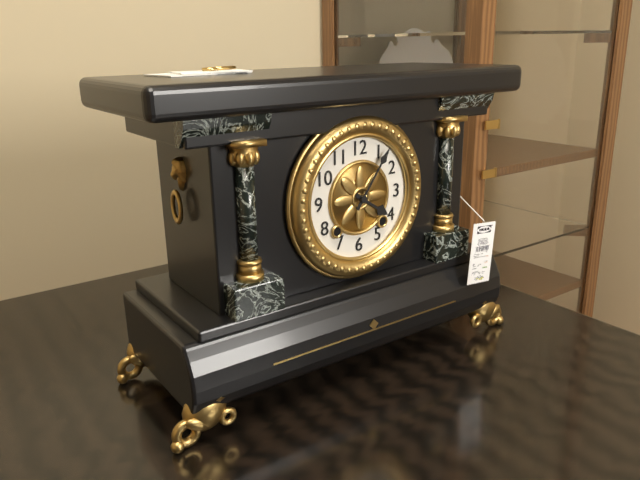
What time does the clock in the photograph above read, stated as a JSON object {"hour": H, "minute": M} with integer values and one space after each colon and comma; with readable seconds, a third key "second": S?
{"hour": 4, "minute": 6}
